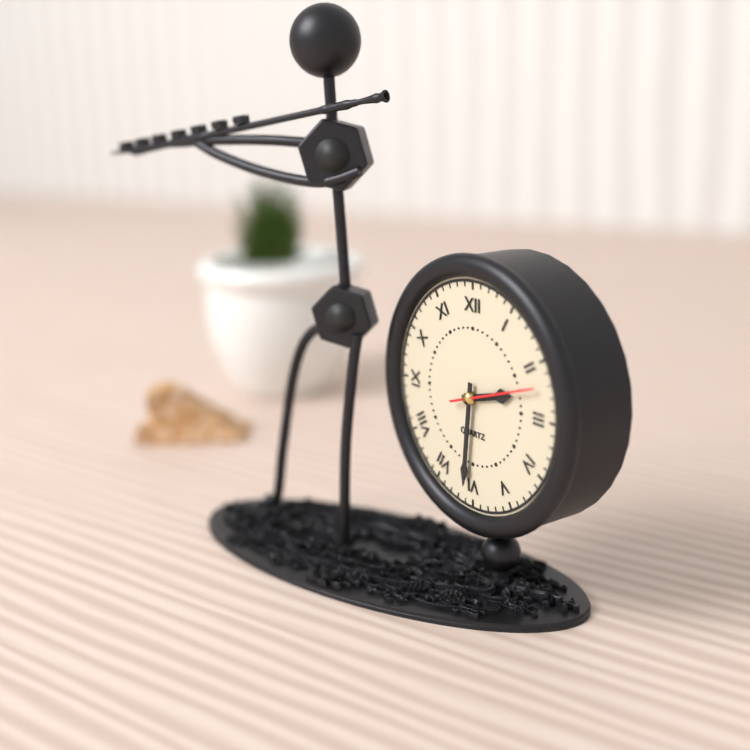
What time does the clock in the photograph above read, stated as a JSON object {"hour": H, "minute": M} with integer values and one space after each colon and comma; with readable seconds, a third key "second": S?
{"hour": 2, "minute": 31, "second": 12}
